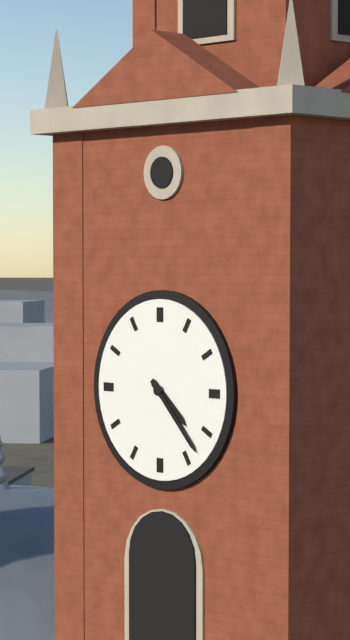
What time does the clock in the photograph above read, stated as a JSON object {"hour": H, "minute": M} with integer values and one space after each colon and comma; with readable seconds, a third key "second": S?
{"hour": 4, "minute": 23}
